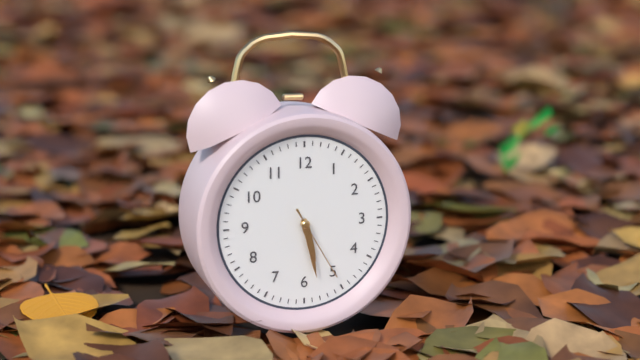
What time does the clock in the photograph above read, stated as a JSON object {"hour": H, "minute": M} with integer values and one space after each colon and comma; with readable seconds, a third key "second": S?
{"hour": 5, "minute": 28, "second": 25}
